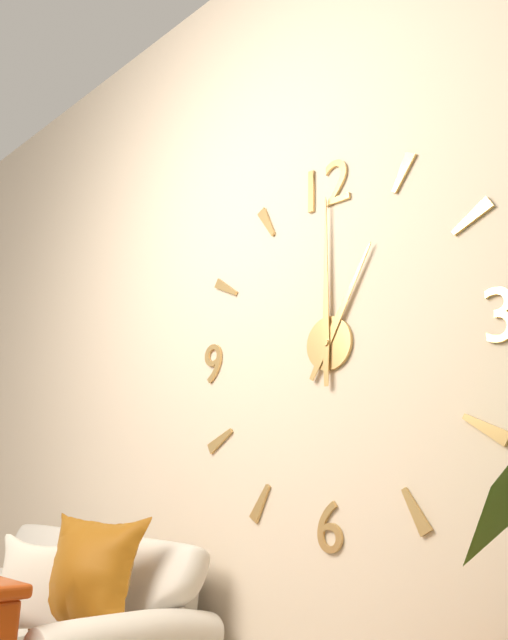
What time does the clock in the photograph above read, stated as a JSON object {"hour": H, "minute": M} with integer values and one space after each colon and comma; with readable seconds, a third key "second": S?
{"hour": 1, "minute": 0}
